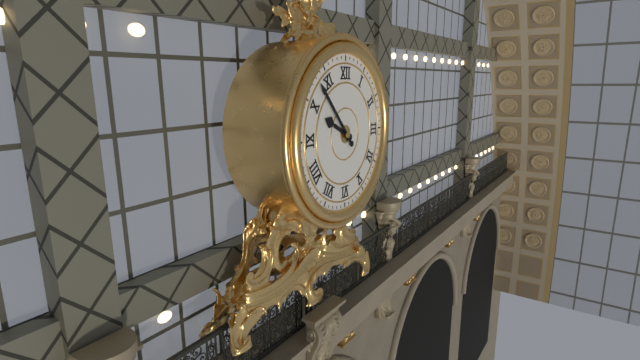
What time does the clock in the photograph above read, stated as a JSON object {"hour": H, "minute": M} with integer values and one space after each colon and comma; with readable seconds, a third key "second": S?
{"hour": 9, "minute": 53}
